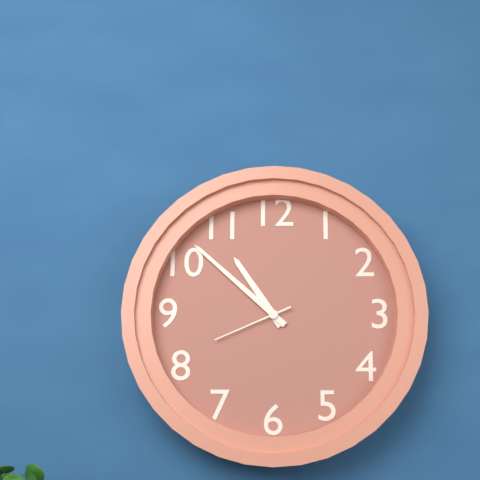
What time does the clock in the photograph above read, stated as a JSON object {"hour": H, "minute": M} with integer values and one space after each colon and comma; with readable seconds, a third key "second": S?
{"hour": 10, "minute": 52, "second": 41}
